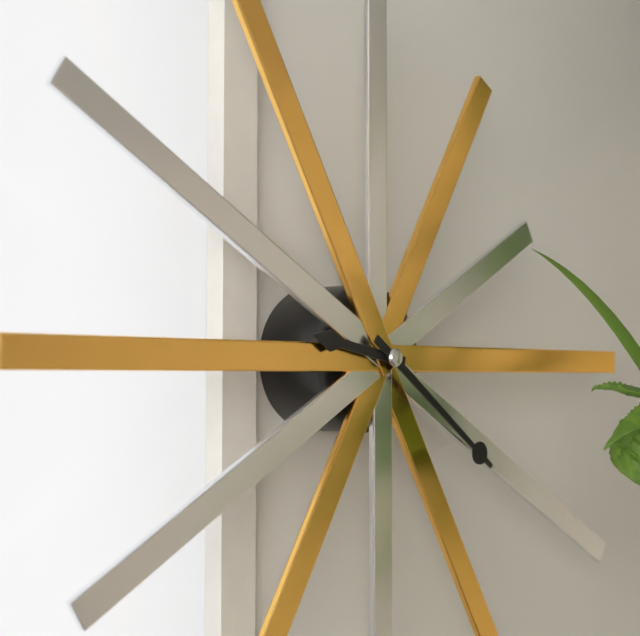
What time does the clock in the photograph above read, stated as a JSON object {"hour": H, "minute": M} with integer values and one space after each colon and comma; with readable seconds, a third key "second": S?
{"hour": 9, "minute": 21}
